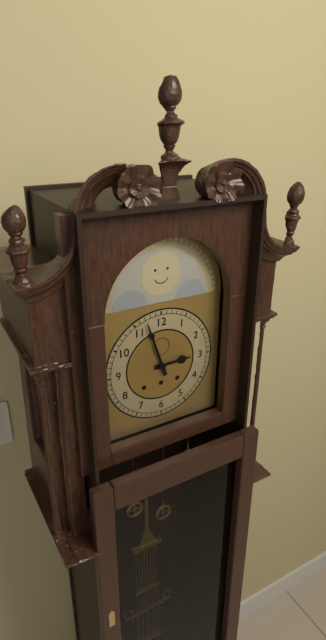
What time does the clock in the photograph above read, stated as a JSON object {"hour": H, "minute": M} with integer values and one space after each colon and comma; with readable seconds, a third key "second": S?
{"hour": 2, "minute": 57}
